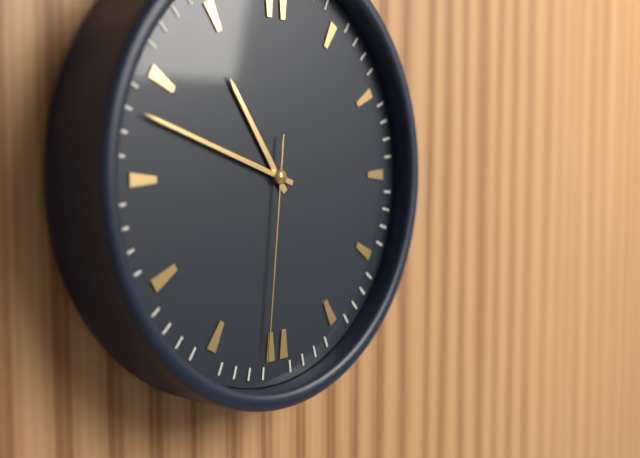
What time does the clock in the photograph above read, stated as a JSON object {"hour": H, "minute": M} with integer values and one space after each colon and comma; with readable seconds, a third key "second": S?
{"hour": 10, "minute": 48, "second": 31}
